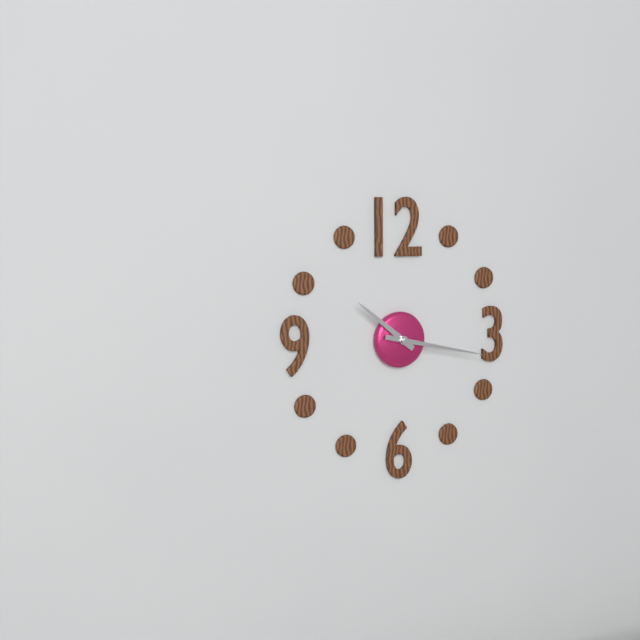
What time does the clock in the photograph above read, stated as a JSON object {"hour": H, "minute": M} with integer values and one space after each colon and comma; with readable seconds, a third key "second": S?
{"hour": 10, "minute": 17}
